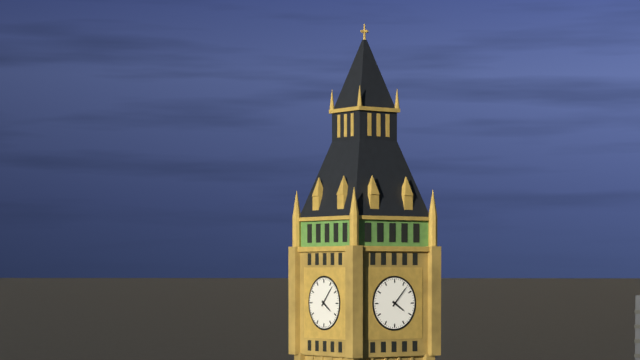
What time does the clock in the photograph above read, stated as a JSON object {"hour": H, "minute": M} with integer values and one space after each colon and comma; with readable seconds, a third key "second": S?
{"hour": 4, "minute": 7}
